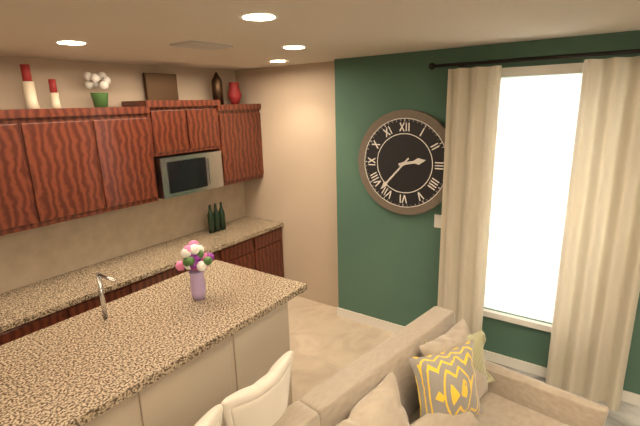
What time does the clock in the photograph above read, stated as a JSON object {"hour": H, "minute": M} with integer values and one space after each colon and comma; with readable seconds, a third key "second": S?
{"hour": 2, "minute": 37}
